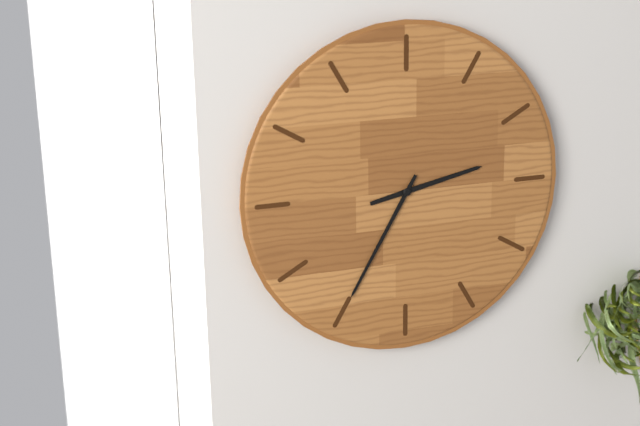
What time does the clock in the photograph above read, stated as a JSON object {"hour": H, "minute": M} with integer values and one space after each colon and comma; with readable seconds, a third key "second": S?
{"hour": 2, "minute": 35}
